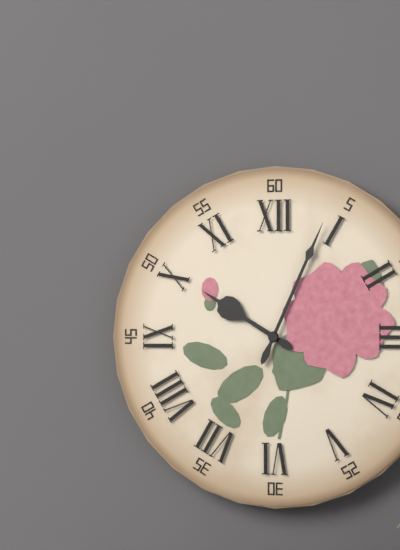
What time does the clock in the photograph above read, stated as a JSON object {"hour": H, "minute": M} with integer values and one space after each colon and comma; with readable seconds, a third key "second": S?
{"hour": 10, "minute": 4}
